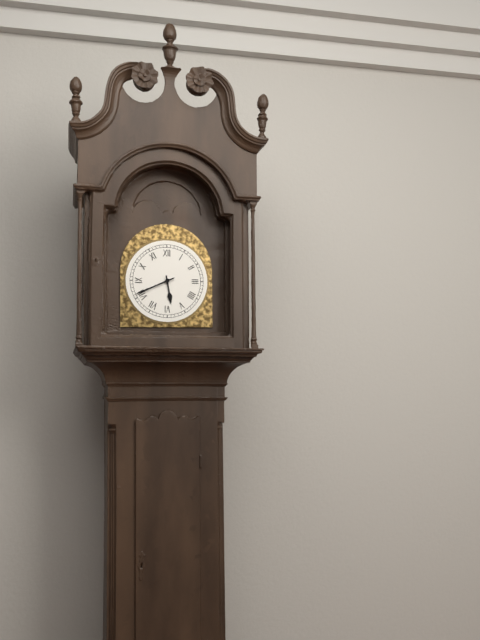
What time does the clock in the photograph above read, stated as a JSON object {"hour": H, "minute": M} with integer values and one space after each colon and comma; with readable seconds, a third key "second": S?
{"hour": 5, "minute": 41}
